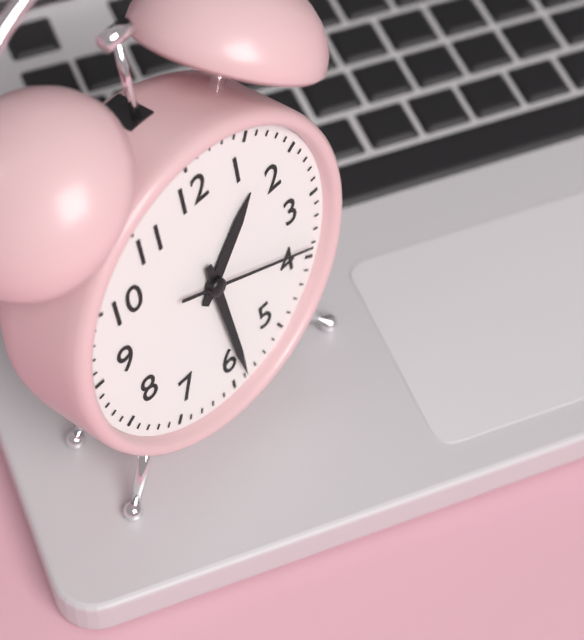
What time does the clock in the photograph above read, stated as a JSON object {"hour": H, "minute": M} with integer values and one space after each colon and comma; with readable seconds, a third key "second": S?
{"hour": 1, "minute": 29, "second": 19}
